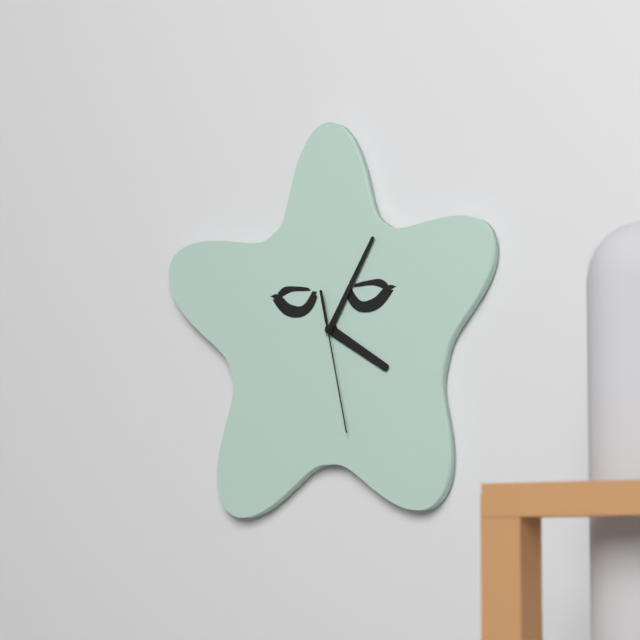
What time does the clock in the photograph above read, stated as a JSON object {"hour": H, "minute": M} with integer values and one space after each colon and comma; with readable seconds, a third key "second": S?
{"hour": 4, "minute": 5, "second": 28}
